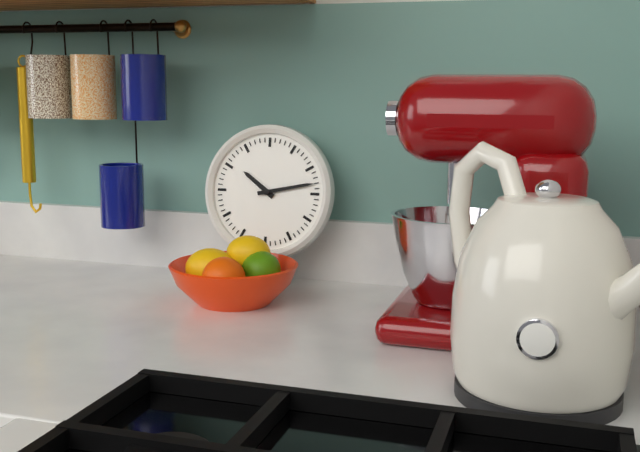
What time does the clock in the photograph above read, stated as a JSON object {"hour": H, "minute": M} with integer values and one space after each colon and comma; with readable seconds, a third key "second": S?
{"hour": 10, "minute": 13}
